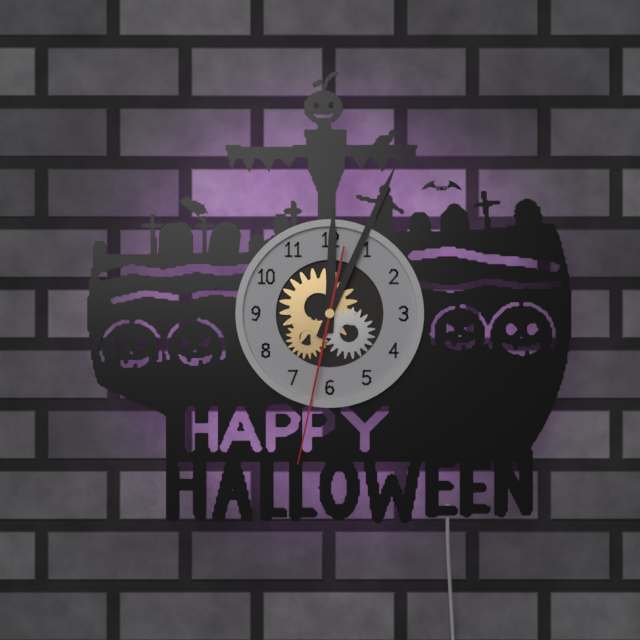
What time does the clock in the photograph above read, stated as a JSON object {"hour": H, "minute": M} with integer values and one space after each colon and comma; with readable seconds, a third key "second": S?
{"hour": 12, "minute": 4, "second": 32}
